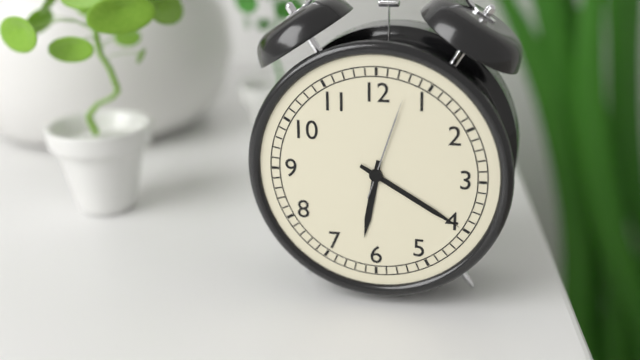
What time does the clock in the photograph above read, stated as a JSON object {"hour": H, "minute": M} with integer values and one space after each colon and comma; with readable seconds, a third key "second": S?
{"hour": 6, "minute": 20, "second": 3}
